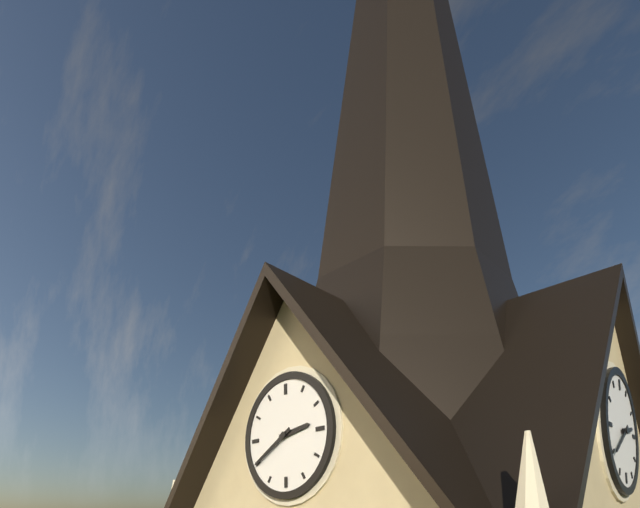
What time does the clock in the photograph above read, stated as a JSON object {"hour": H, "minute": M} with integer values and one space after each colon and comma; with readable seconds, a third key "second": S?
{"hour": 2, "minute": 40}
